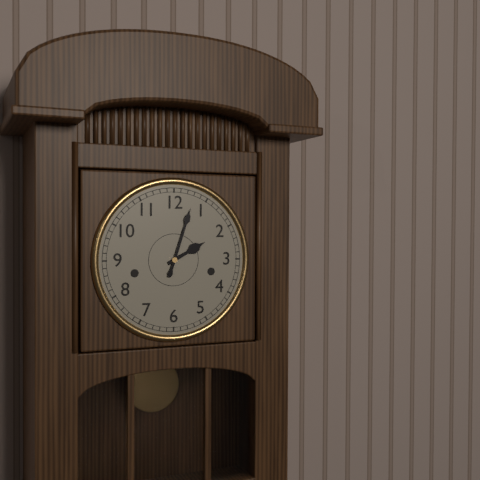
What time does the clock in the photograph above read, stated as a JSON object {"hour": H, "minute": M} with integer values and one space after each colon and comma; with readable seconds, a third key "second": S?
{"hour": 2, "minute": 3}
